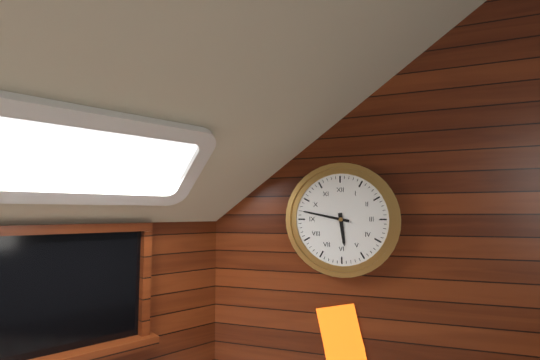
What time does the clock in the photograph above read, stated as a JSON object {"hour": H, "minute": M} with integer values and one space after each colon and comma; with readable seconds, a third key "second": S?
{"hour": 5, "minute": 47}
